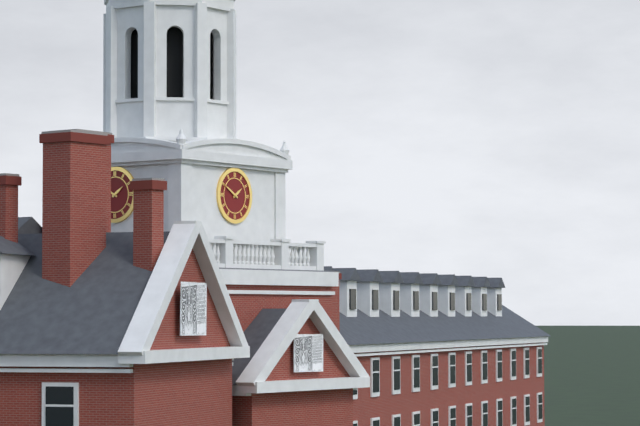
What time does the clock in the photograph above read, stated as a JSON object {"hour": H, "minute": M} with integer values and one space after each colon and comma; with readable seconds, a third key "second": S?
{"hour": 1, "minute": 50}
